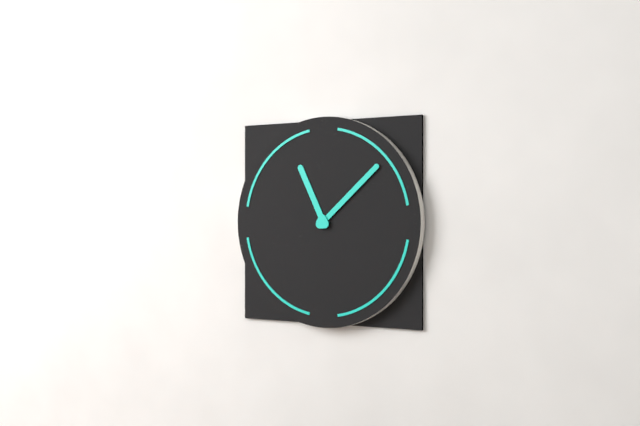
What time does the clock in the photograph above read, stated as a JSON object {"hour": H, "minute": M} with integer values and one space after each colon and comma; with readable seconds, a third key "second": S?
{"hour": 11, "minute": 8}
